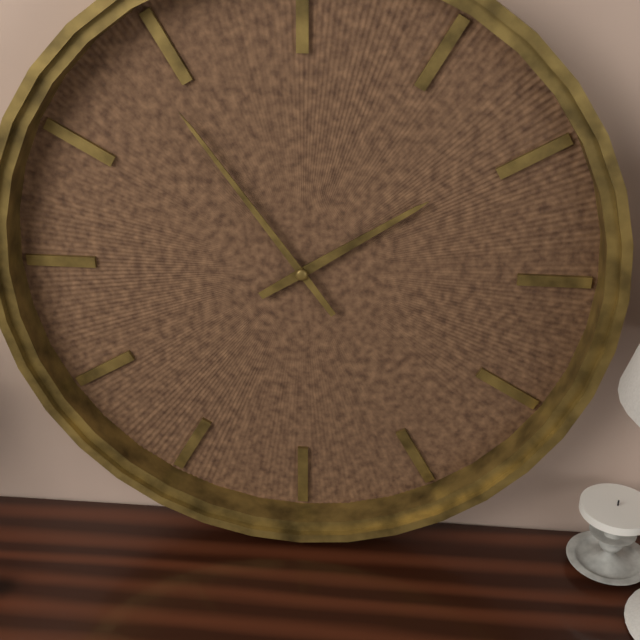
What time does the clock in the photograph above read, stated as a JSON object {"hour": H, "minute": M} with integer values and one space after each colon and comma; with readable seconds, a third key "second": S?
{"hour": 1, "minute": 54}
